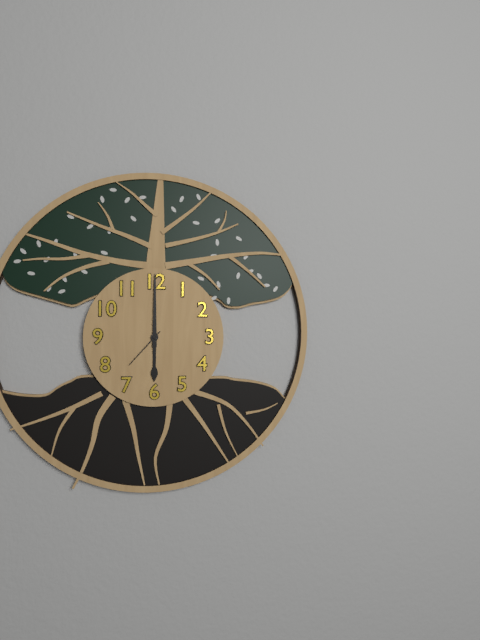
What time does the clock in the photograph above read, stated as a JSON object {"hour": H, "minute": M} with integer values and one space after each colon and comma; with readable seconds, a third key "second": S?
{"hour": 6, "minute": 0}
